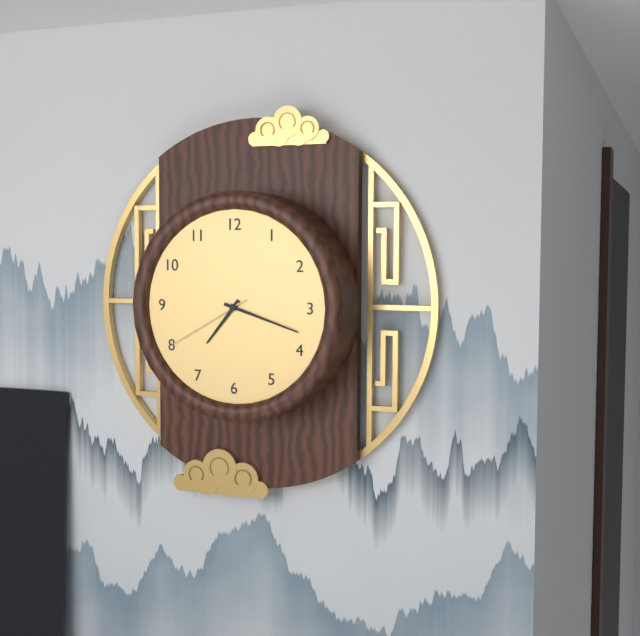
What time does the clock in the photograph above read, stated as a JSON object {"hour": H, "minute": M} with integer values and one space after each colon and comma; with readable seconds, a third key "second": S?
{"hour": 7, "minute": 18, "second": 40}
